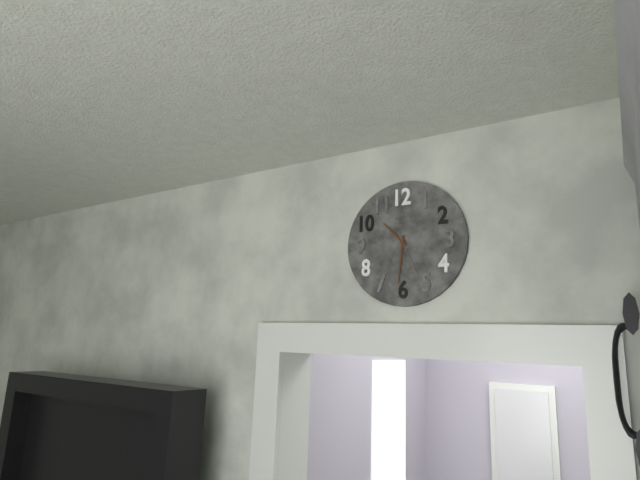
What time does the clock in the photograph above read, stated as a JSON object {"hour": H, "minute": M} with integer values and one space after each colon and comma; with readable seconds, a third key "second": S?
{"hour": 10, "minute": 31}
